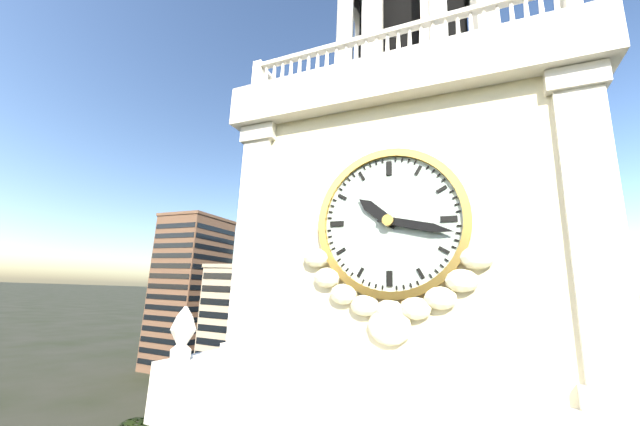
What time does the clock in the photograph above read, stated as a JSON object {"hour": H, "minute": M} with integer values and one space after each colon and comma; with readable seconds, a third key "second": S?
{"hour": 10, "minute": 17}
